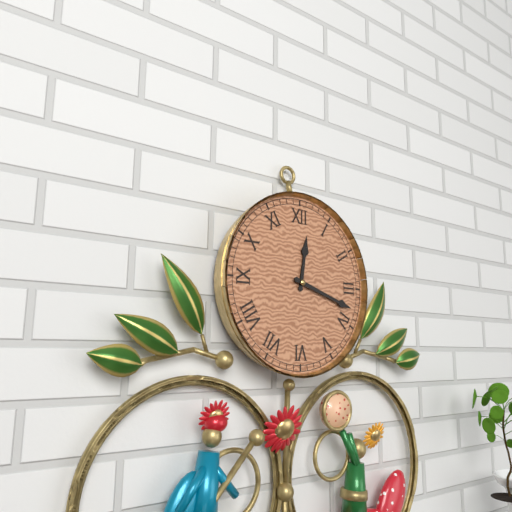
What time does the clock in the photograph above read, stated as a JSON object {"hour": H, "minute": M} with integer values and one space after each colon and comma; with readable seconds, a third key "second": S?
{"hour": 12, "minute": 18}
